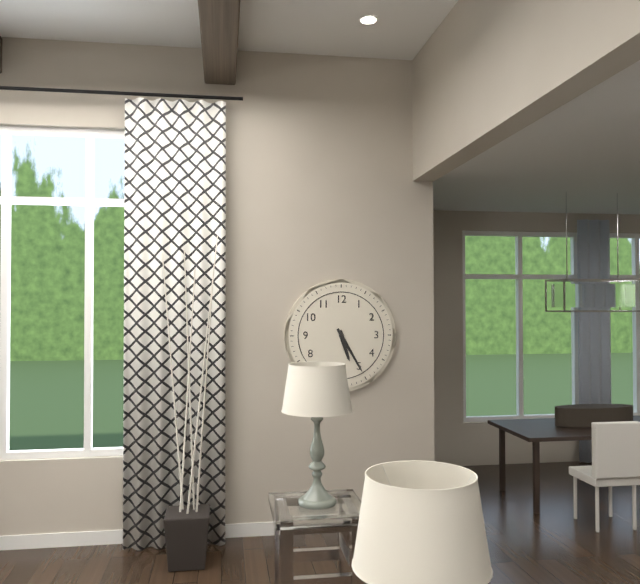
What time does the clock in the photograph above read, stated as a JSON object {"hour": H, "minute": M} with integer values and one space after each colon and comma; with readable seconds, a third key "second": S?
{"hour": 5, "minute": 25}
